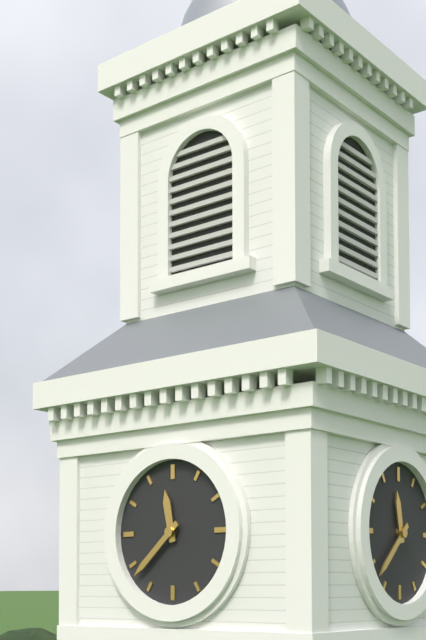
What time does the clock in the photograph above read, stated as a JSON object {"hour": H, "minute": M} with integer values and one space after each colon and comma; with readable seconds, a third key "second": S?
{"hour": 11, "minute": 38}
